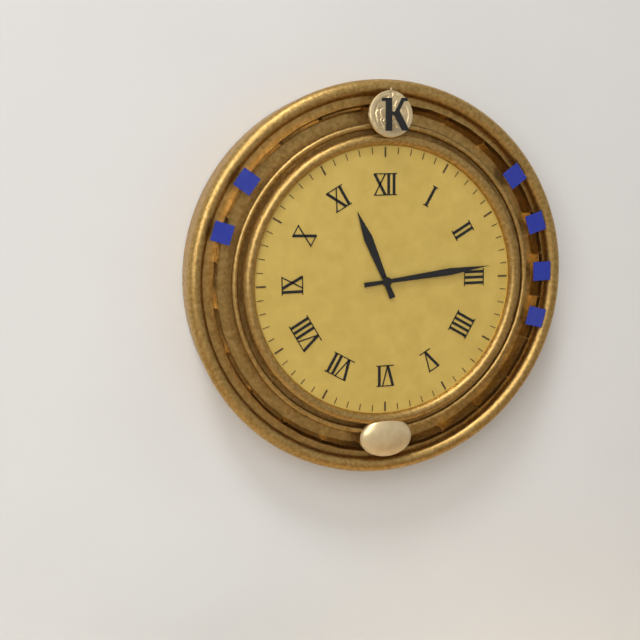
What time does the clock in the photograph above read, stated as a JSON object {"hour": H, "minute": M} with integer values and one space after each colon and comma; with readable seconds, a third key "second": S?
{"hour": 11, "minute": 14}
